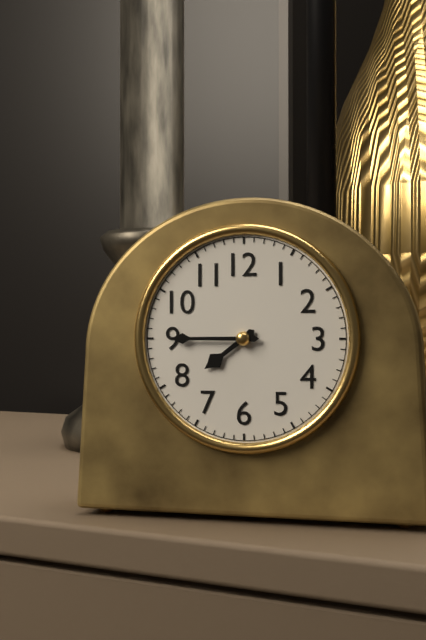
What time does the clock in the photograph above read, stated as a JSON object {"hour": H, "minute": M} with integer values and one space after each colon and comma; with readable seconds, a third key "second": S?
{"hour": 7, "minute": 45}
